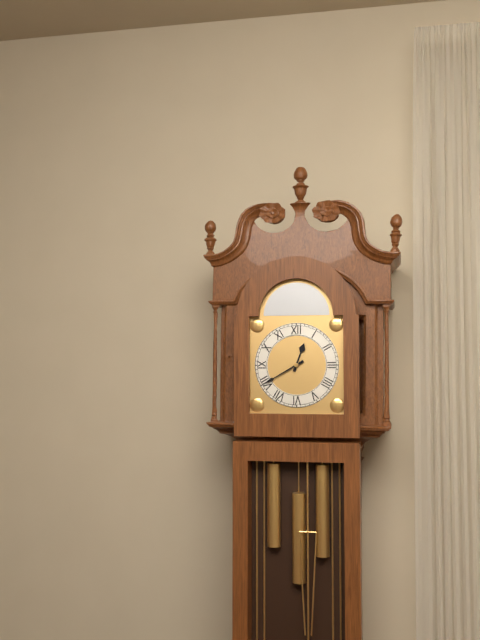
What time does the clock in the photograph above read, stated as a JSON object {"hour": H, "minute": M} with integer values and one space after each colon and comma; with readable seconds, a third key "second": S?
{"hour": 12, "minute": 40}
